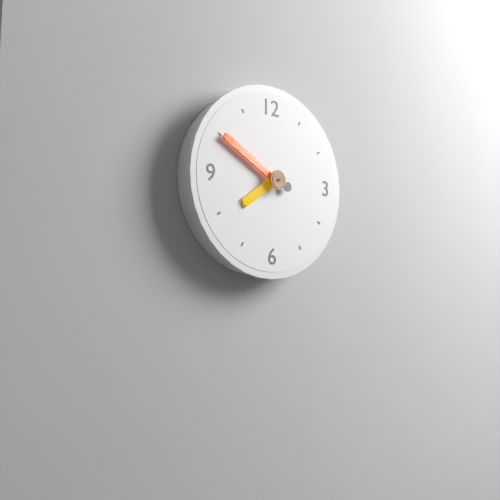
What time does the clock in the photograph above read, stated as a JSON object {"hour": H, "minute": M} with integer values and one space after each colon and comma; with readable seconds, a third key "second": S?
{"hour": 7, "minute": 50}
